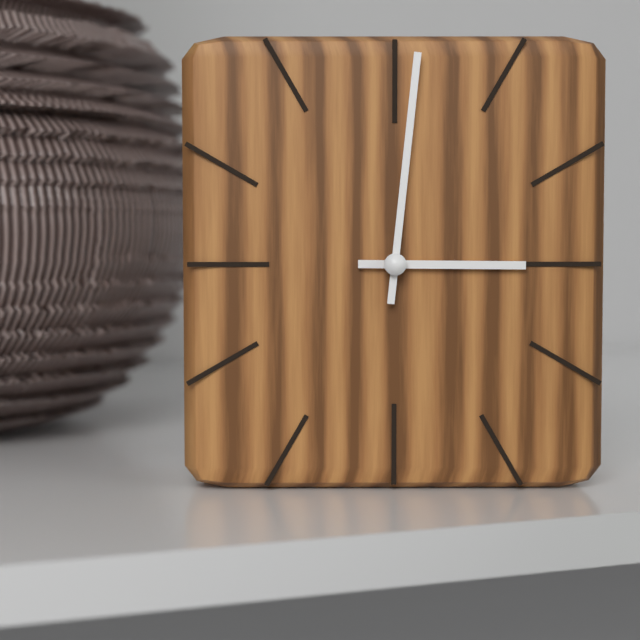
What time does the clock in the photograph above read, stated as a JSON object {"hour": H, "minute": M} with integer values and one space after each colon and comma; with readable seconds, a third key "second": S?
{"hour": 3, "minute": 1}
